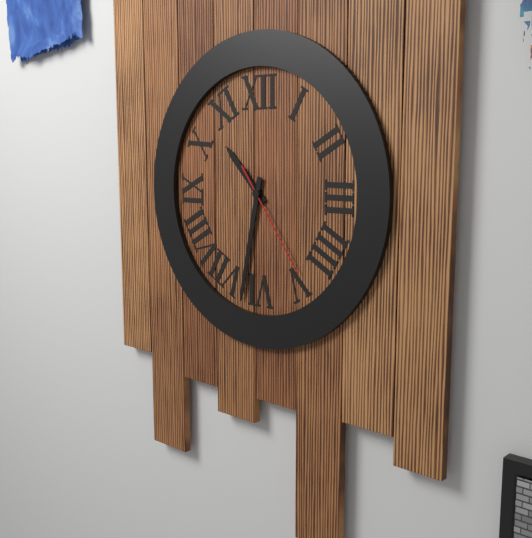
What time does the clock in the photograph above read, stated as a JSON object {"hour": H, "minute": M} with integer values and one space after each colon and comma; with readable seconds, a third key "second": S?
{"hour": 10, "minute": 32, "second": 24}
